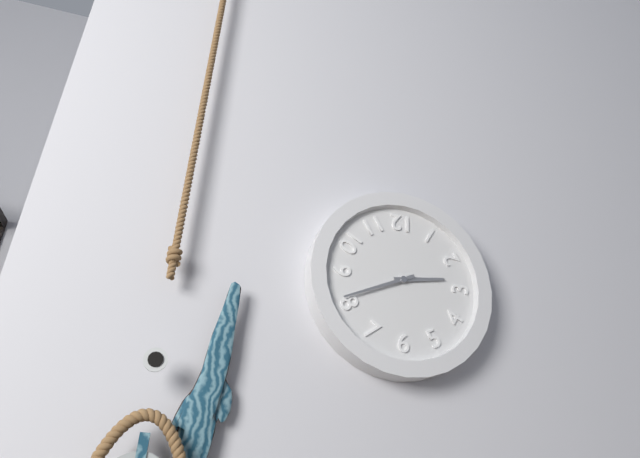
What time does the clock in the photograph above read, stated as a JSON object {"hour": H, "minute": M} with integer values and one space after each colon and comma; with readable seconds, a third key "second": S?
{"hour": 2, "minute": 41}
